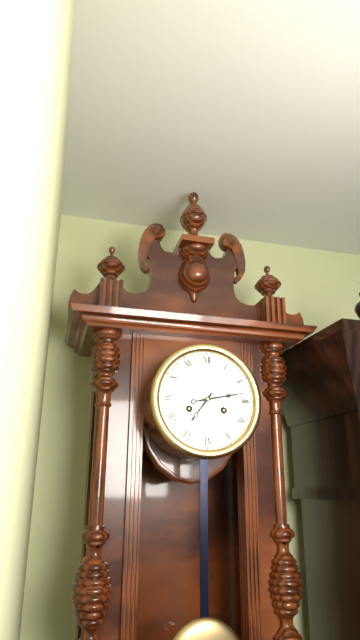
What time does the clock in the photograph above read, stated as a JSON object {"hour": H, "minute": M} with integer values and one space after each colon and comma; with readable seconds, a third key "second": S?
{"hour": 7, "minute": 13}
